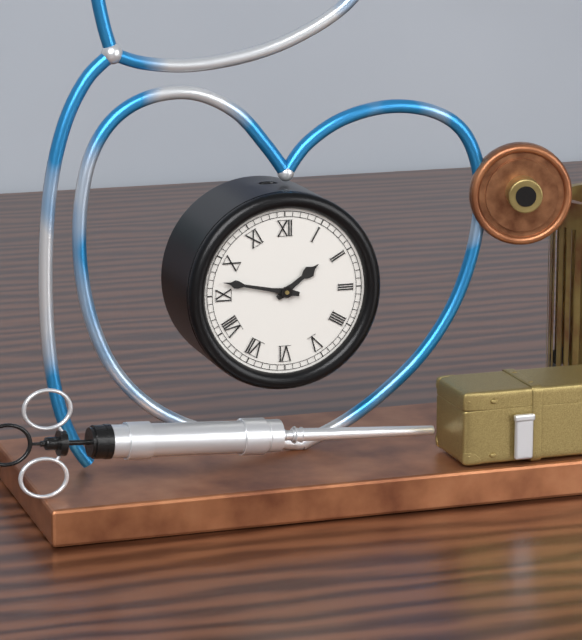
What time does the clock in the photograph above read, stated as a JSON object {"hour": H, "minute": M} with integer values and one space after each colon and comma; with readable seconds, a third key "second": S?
{"hour": 1, "minute": 47}
